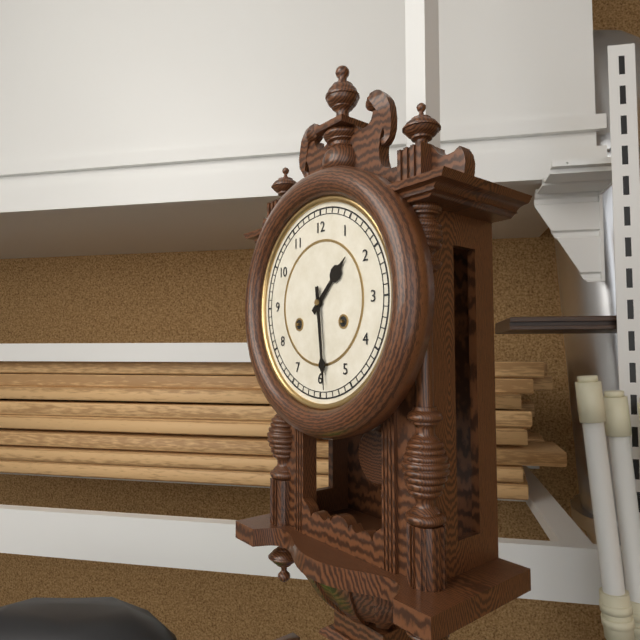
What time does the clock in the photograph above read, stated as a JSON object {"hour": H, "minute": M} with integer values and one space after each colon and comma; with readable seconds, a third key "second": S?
{"hour": 1, "minute": 29}
